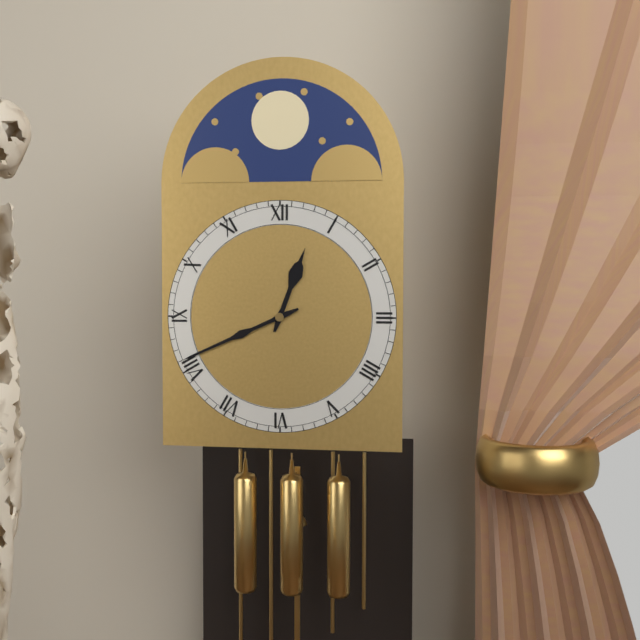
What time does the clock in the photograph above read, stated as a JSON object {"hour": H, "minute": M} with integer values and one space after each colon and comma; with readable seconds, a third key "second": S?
{"hour": 12, "minute": 41}
